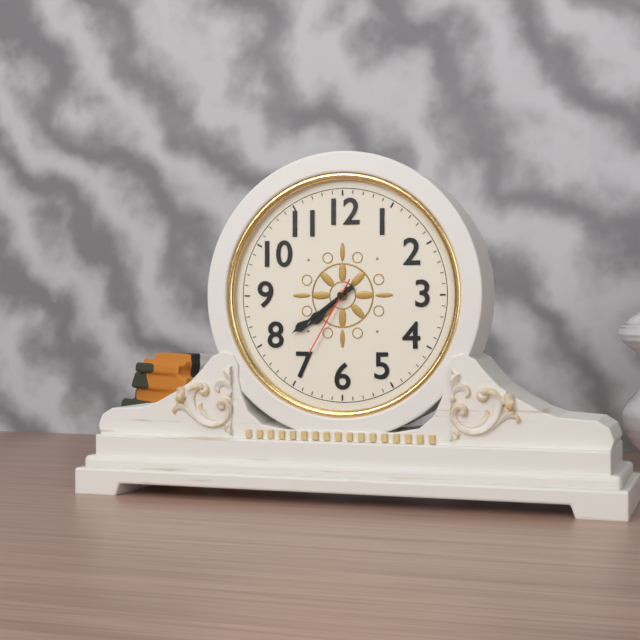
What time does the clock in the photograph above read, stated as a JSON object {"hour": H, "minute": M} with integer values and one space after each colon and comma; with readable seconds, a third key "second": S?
{"hour": 7, "minute": 39, "second": 35}
